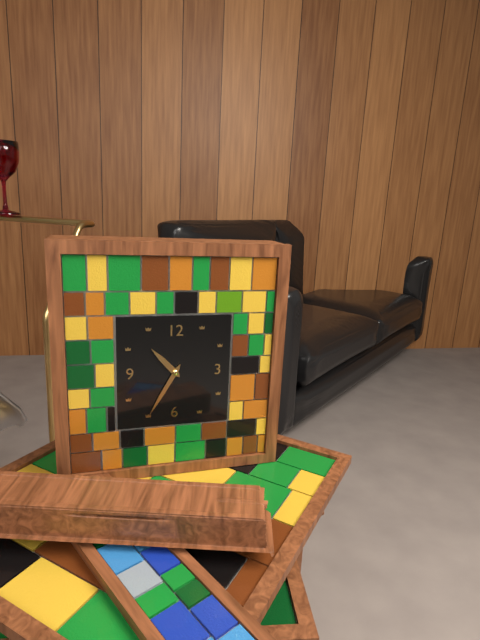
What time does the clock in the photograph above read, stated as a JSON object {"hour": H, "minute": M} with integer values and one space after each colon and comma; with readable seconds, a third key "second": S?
{"hour": 10, "minute": 35}
